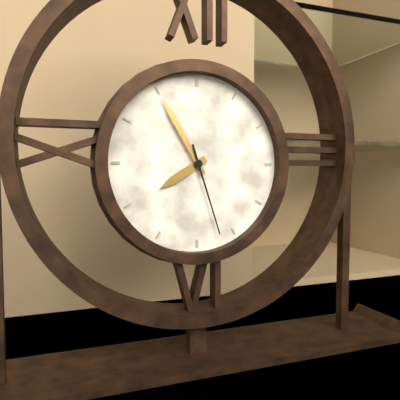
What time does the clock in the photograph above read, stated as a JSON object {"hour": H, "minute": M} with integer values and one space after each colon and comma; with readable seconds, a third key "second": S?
{"hour": 7, "minute": 55, "second": 27}
